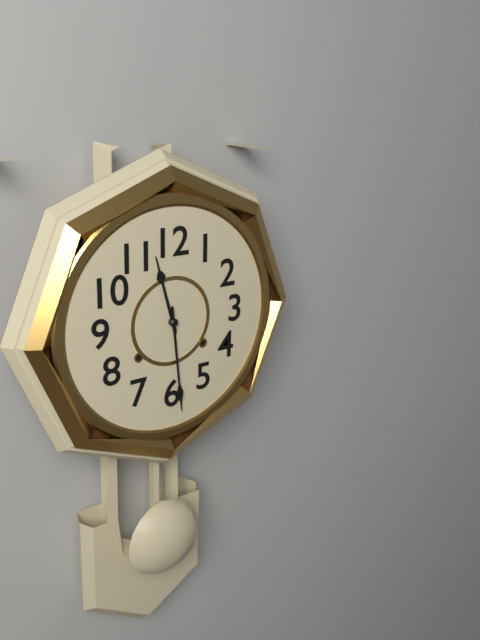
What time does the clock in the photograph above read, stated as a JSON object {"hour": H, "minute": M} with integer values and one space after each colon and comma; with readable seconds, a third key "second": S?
{"hour": 11, "minute": 29}
